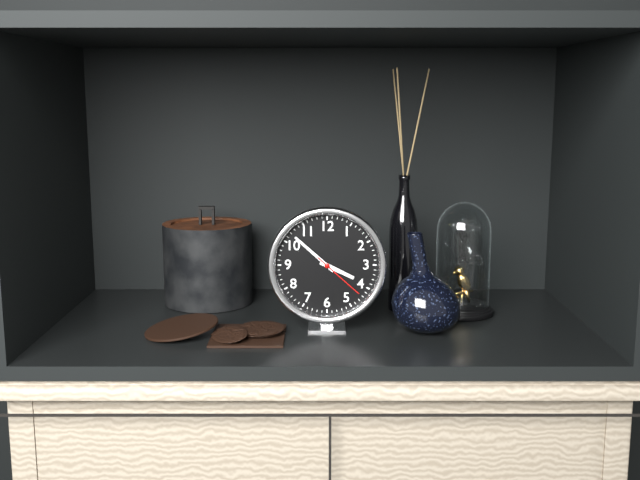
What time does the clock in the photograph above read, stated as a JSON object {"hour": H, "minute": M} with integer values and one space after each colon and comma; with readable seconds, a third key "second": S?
{"hour": 3, "minute": 52, "second": 22}
